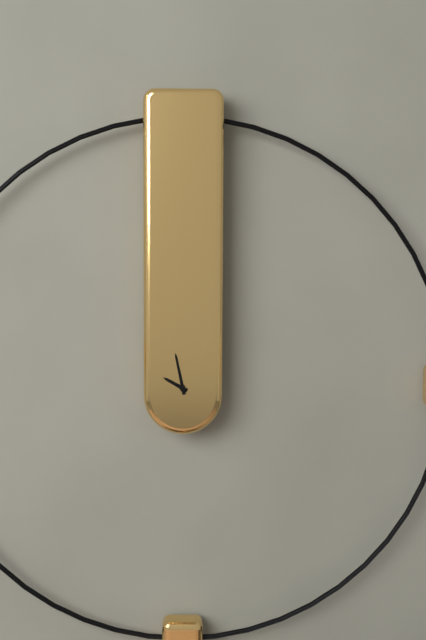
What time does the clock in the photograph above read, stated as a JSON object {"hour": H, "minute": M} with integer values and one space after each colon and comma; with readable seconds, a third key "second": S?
{"hour": 9, "minute": 58}
